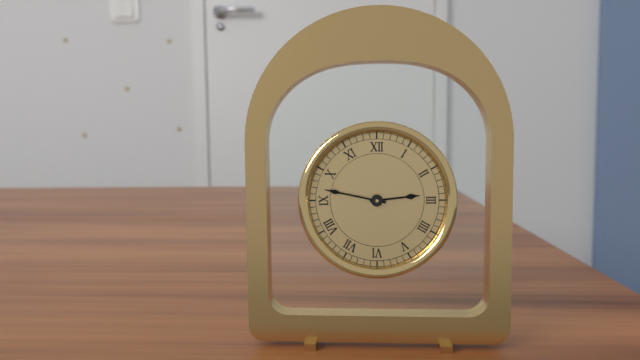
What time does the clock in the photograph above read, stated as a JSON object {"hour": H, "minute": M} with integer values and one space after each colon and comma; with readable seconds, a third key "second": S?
{"hour": 2, "minute": 47}
